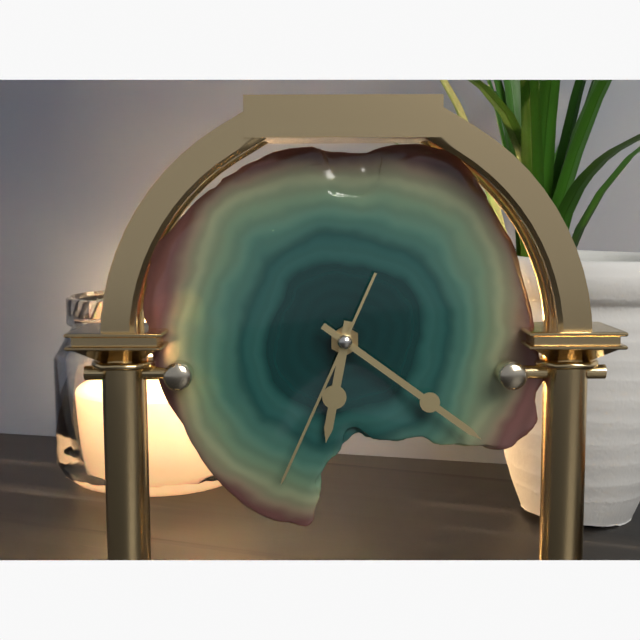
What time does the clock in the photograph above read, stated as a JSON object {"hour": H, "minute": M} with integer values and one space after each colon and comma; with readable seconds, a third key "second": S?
{"hour": 6, "minute": 21, "second": 34}
